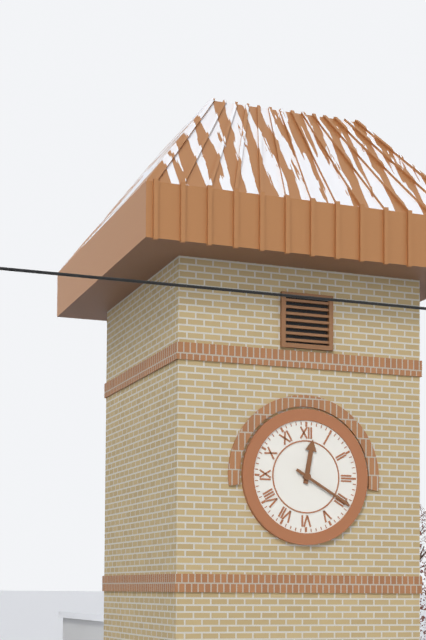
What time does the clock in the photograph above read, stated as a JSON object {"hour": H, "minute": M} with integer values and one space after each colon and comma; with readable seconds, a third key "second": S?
{"hour": 12, "minute": 20}
